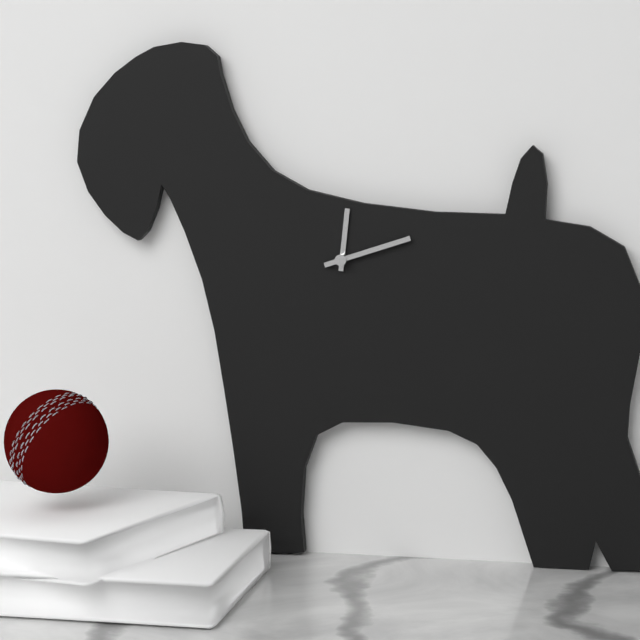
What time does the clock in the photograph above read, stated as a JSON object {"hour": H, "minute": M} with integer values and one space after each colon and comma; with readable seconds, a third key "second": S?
{"hour": 12, "minute": 12}
